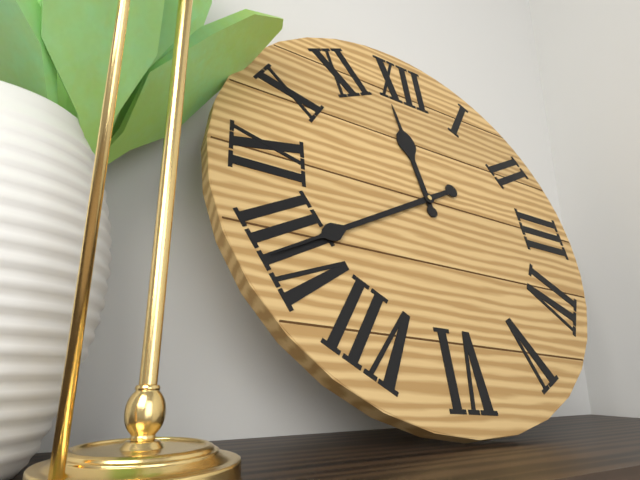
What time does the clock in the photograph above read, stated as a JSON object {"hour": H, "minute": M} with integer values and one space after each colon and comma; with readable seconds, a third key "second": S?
{"hour": 11, "minute": 40}
